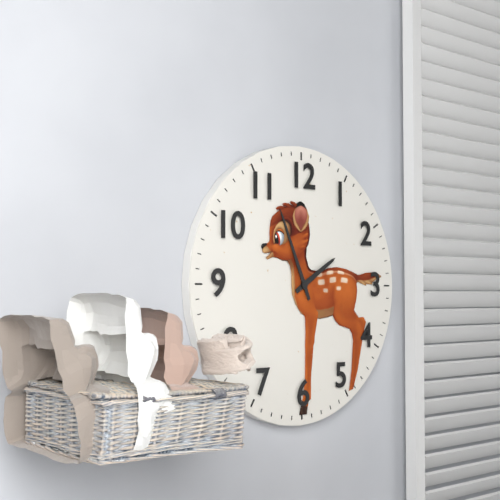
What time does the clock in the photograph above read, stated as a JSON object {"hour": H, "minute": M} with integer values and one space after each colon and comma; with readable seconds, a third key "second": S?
{"hour": 1, "minute": 56}
